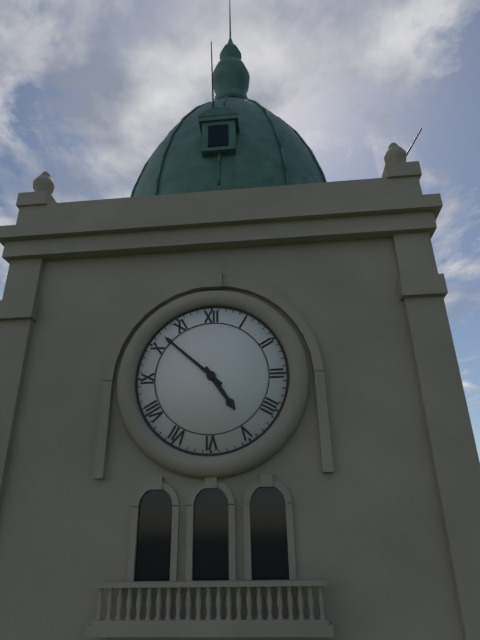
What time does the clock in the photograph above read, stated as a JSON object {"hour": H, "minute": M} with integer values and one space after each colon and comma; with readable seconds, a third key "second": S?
{"hour": 4, "minute": 52}
